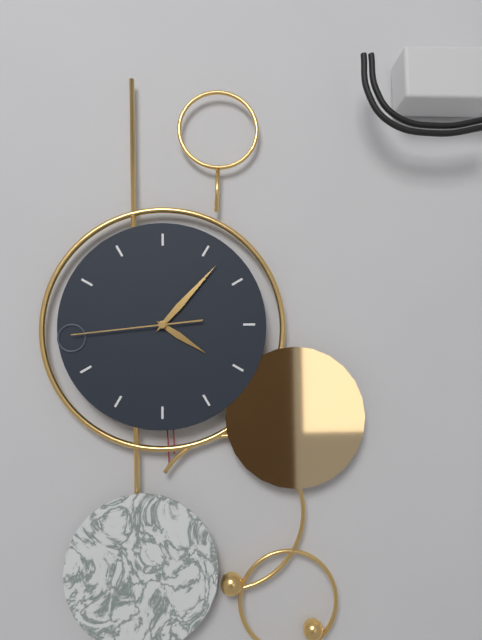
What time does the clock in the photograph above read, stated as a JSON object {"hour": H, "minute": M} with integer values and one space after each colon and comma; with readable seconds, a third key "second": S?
{"hour": 4, "minute": 7, "second": 44}
